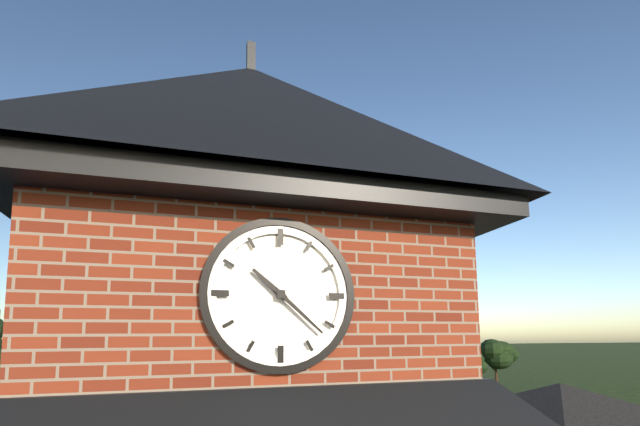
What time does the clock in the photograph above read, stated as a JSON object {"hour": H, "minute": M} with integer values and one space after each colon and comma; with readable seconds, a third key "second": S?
{"hour": 10, "minute": 22}
